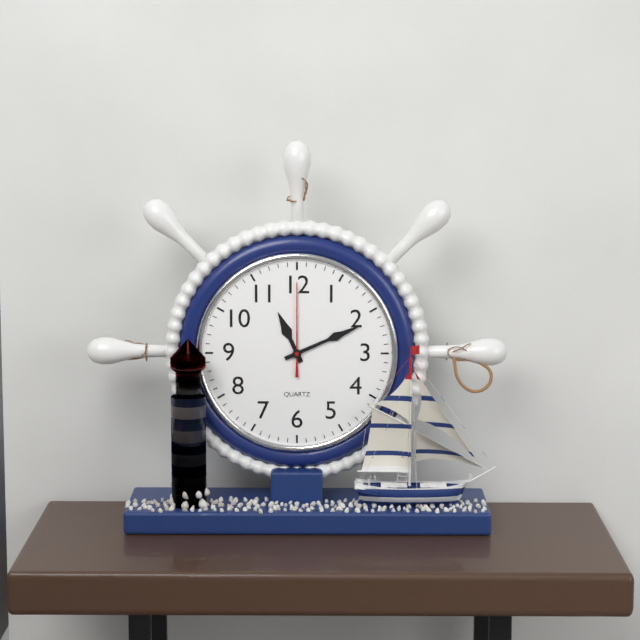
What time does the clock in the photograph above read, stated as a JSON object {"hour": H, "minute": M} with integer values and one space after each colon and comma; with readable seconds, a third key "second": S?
{"hour": 11, "minute": 11, "second": 0}
